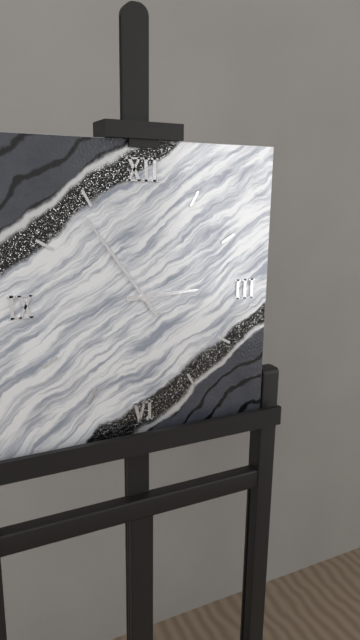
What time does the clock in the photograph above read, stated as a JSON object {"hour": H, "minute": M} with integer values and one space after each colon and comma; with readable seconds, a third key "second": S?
{"hour": 2, "minute": 54}
